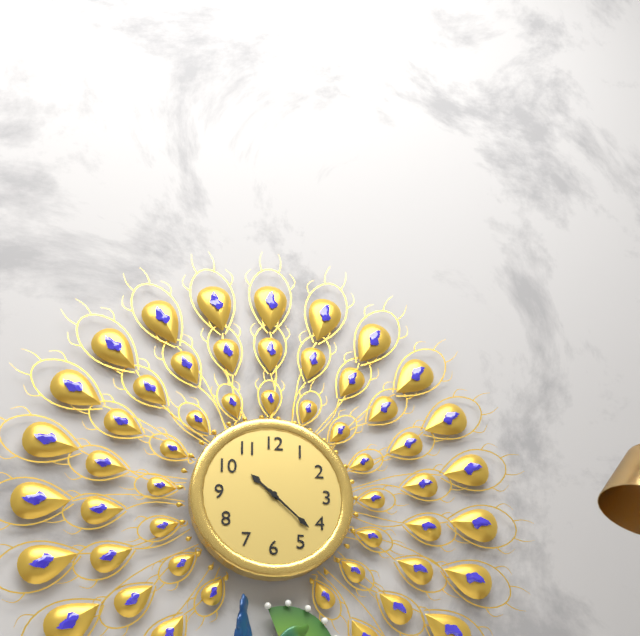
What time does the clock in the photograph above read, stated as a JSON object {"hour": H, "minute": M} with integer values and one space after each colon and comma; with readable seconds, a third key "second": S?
{"hour": 10, "minute": 22}
